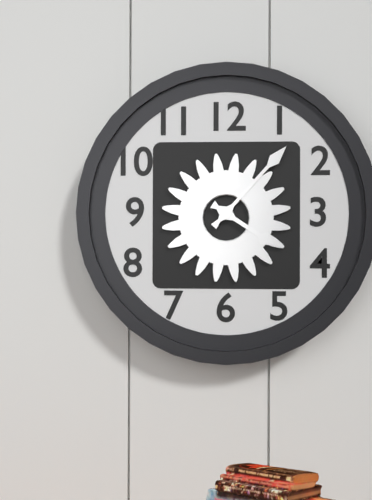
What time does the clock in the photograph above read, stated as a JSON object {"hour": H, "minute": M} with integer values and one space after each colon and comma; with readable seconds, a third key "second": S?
{"hour": 4, "minute": 7}
